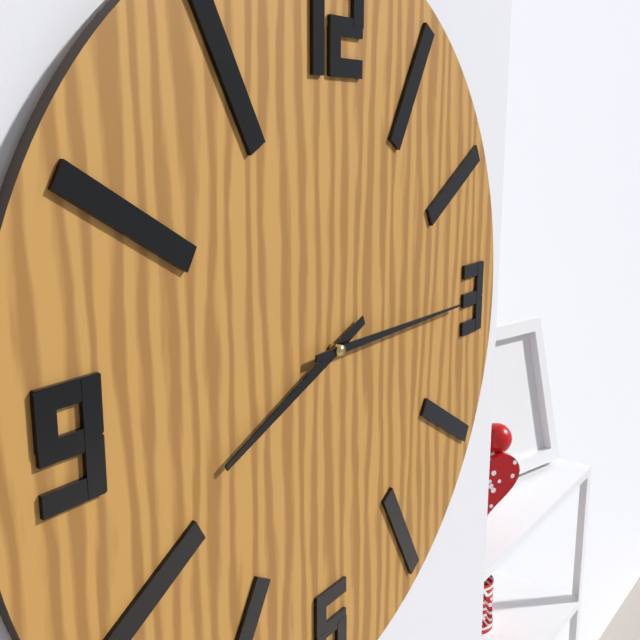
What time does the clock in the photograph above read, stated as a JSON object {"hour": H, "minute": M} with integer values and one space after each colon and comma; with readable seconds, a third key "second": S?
{"hour": 8, "minute": 15}
